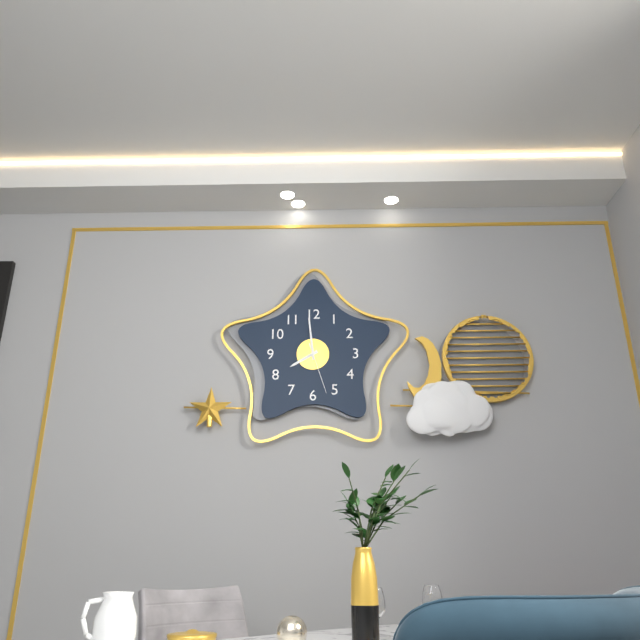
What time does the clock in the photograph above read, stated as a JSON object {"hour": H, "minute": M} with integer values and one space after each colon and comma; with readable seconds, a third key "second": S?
{"hour": 7, "minute": 59}
